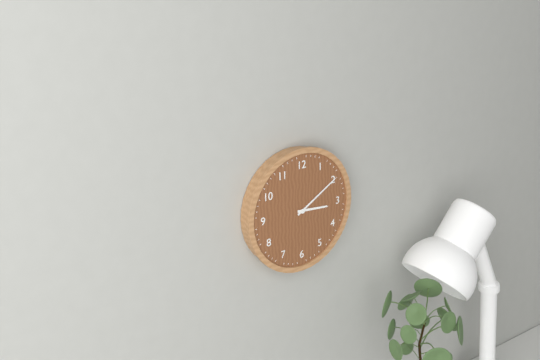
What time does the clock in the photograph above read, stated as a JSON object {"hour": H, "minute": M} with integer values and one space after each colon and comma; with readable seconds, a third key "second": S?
{"hour": 3, "minute": 10}
